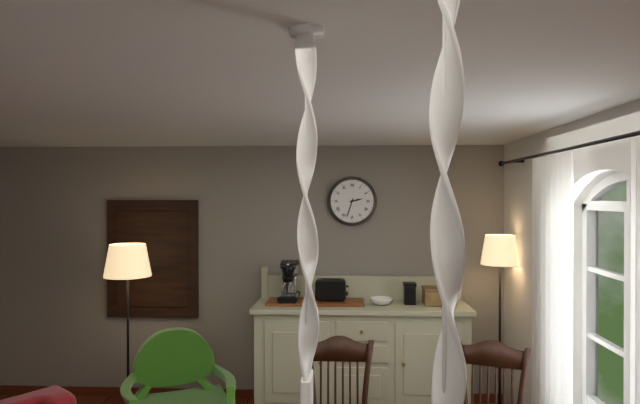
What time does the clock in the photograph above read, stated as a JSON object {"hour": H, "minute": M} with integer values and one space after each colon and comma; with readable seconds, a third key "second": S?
{"hour": 2, "minute": 33}
